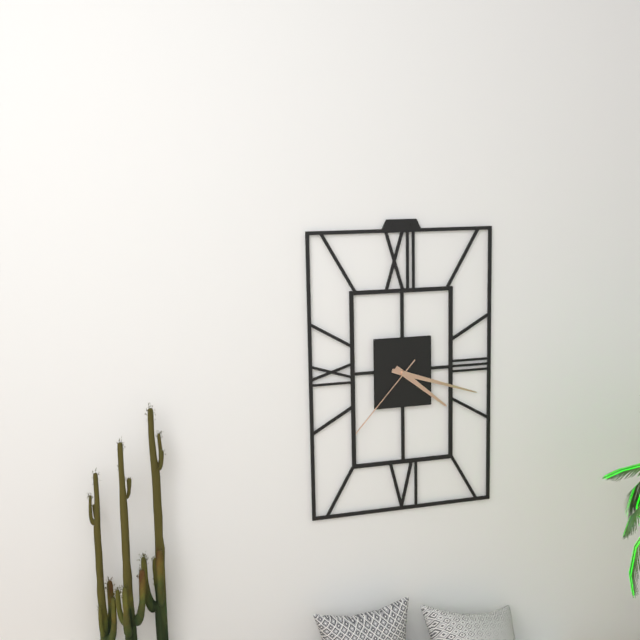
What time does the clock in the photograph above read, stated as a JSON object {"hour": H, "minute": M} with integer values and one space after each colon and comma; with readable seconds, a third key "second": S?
{"hour": 4, "minute": 18, "second": 37}
